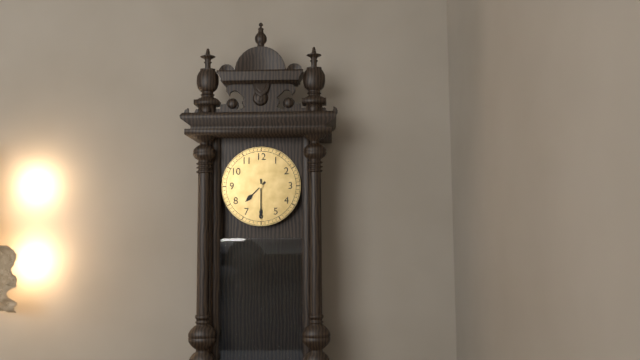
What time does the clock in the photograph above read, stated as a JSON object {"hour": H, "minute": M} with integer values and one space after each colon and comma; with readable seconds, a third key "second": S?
{"hour": 7, "minute": 30}
